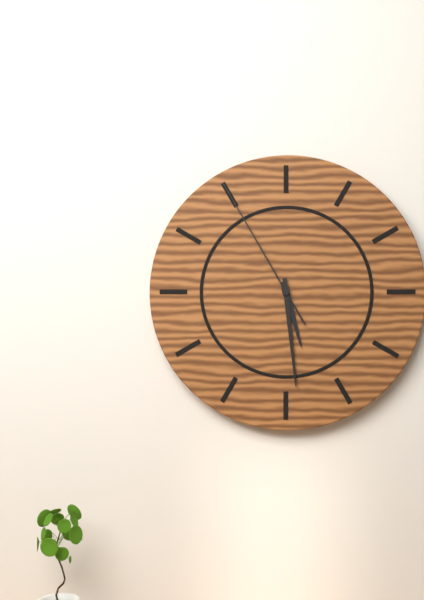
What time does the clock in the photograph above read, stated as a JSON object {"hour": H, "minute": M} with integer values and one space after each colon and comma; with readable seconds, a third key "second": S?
{"hour": 5, "minute": 29, "second": 55}
